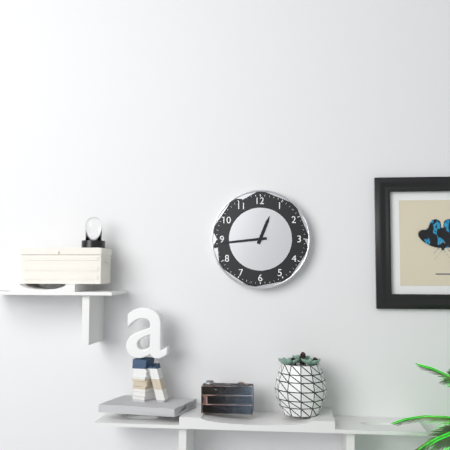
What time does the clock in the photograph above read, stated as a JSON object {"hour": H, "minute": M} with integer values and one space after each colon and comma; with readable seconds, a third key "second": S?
{"hour": 12, "minute": 44}
